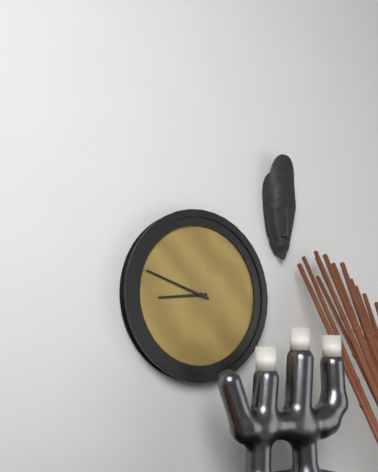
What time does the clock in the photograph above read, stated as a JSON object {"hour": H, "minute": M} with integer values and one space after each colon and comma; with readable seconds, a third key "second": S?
{"hour": 8, "minute": 48}
